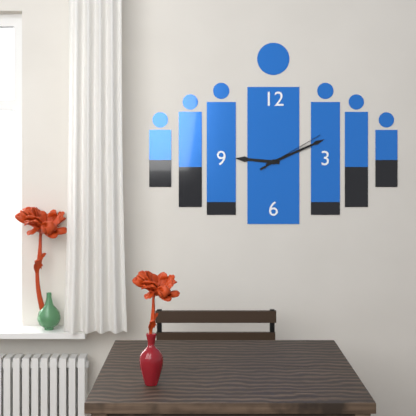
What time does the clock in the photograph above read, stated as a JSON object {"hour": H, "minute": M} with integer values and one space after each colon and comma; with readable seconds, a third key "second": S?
{"hour": 9, "minute": 11, "second": 10}
